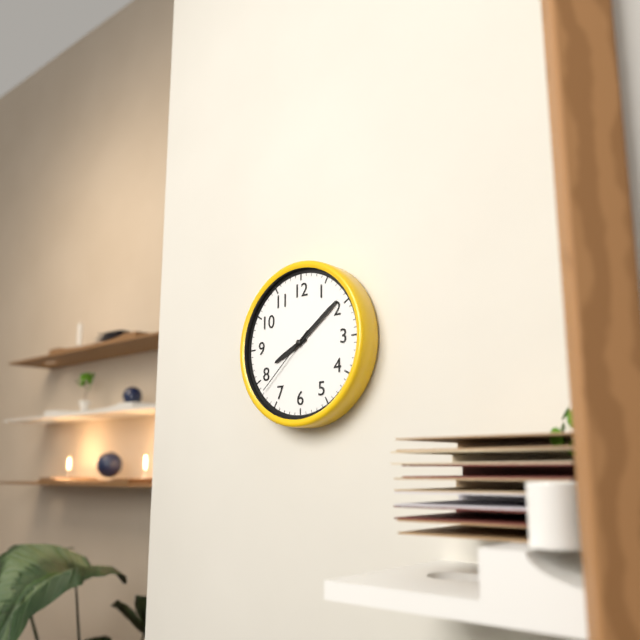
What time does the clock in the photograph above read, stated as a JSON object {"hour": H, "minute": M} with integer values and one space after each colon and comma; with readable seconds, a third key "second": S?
{"hour": 8, "minute": 9, "second": 38}
